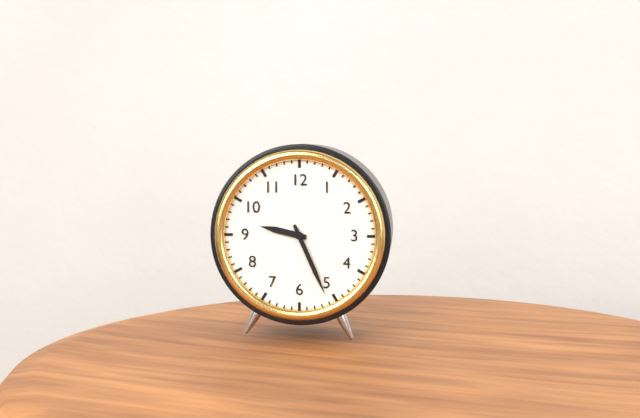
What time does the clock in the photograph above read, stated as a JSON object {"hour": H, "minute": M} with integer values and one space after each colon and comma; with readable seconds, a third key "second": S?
{"hour": 9, "minute": 26}
